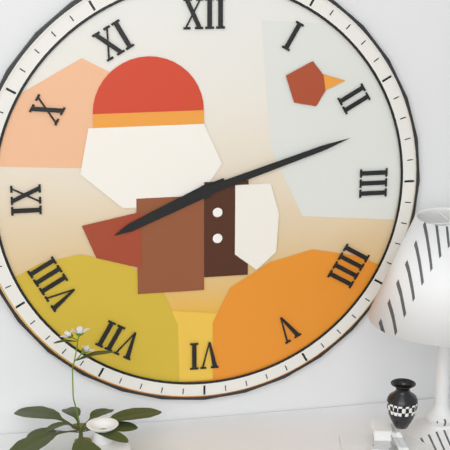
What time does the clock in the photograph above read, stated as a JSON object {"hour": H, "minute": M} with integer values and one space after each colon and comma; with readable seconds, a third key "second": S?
{"hour": 8, "minute": 12}
